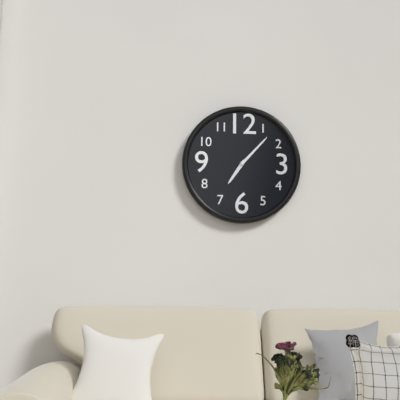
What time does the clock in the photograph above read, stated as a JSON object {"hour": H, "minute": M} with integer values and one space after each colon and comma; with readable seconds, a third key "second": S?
{"hour": 7, "minute": 7}
